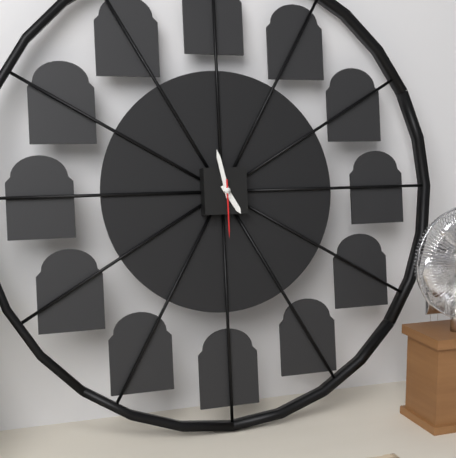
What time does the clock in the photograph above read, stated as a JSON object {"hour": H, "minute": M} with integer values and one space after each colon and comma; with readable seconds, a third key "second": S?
{"hour": 4, "minute": 58, "second": 30}
